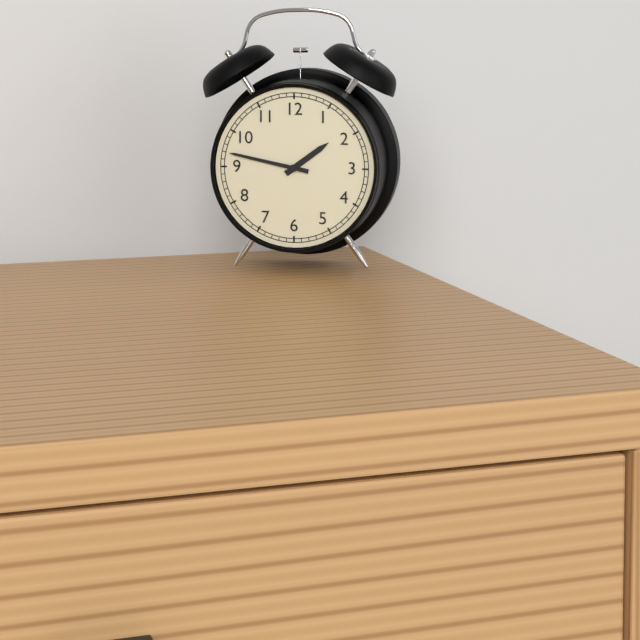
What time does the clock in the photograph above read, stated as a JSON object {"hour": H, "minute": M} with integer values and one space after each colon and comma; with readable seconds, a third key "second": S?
{"hour": 1, "minute": 47}
